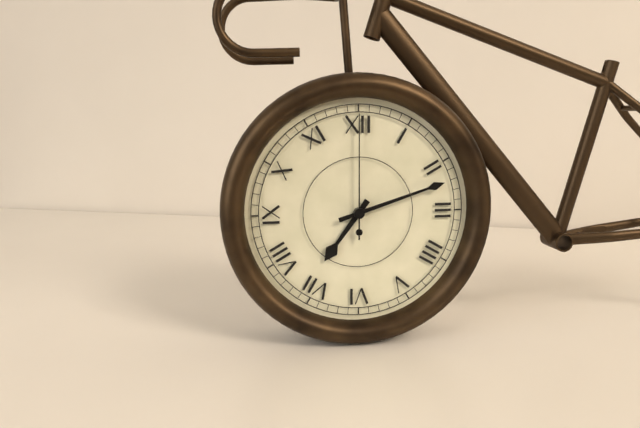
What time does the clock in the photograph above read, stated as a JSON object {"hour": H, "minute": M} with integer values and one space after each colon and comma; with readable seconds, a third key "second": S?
{"hour": 7, "minute": 12, "second": 0}
